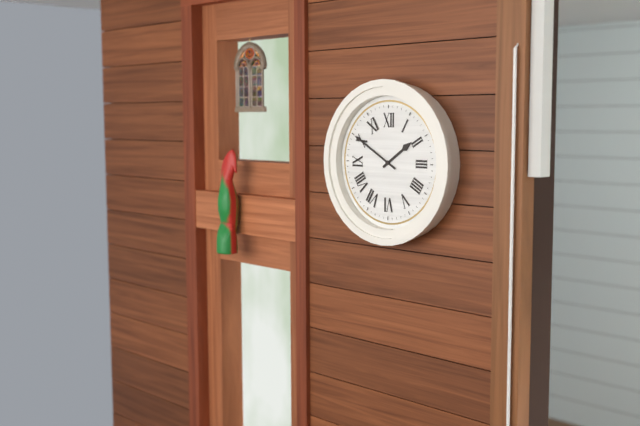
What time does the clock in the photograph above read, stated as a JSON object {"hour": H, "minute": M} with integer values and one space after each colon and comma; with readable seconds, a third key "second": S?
{"hour": 1, "minute": 50}
